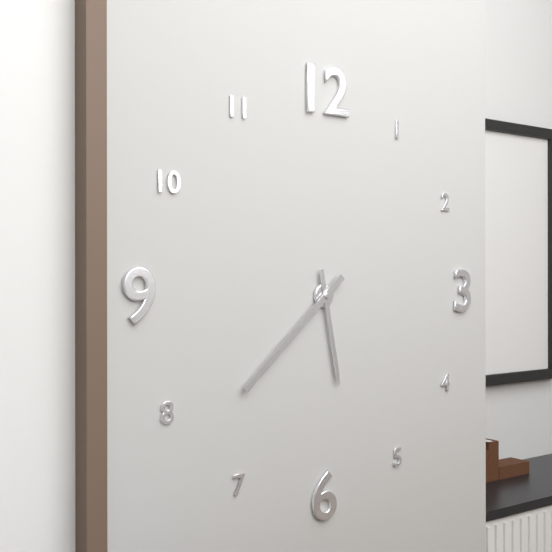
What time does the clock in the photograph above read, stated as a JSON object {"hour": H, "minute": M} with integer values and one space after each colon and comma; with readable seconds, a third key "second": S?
{"hour": 5, "minute": 38}
